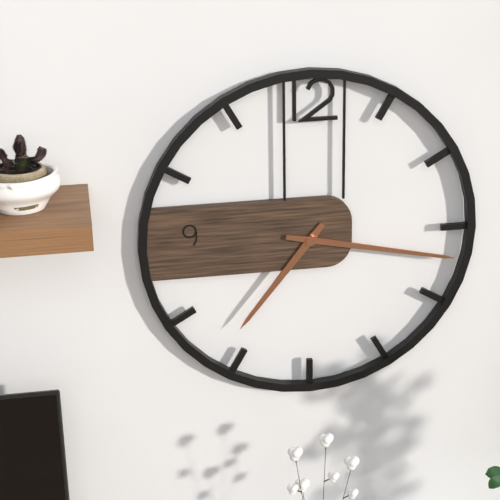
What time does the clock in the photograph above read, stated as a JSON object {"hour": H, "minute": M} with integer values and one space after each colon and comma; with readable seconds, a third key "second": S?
{"hour": 7, "minute": 17}
